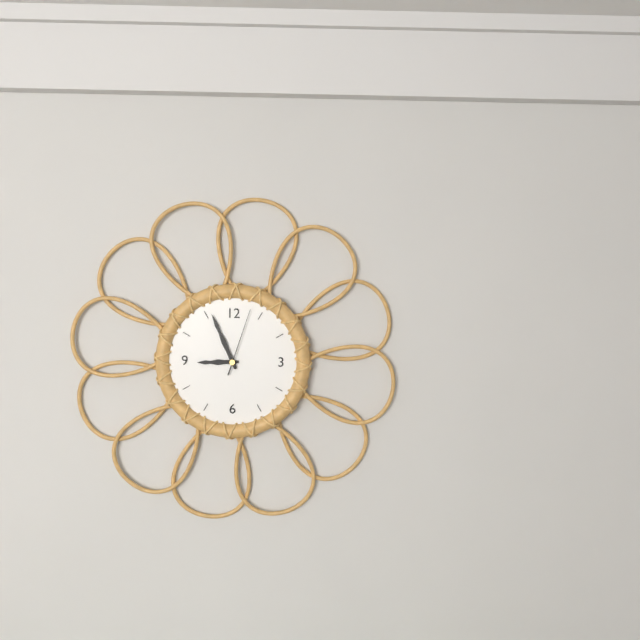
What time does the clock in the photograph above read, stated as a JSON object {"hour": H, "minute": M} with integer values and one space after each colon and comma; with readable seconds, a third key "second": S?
{"hour": 8, "minute": 56, "second": 3}
